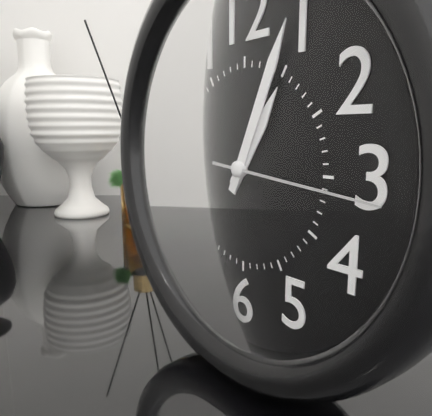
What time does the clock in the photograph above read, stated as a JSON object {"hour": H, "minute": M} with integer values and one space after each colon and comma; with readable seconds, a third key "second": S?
{"hour": 1, "minute": 4, "second": 16}
